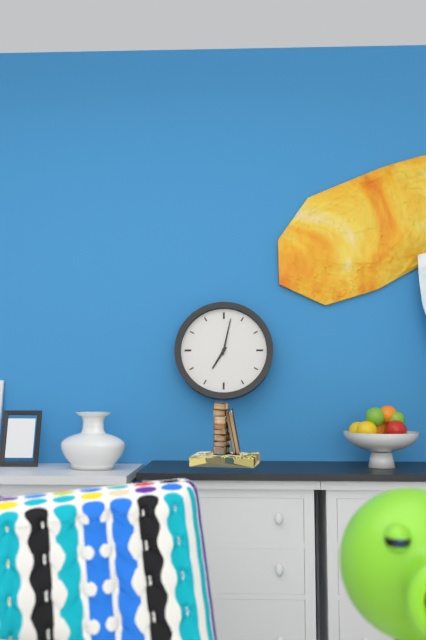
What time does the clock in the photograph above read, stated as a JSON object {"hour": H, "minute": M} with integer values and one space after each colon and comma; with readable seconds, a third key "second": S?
{"hour": 7, "minute": 2}
